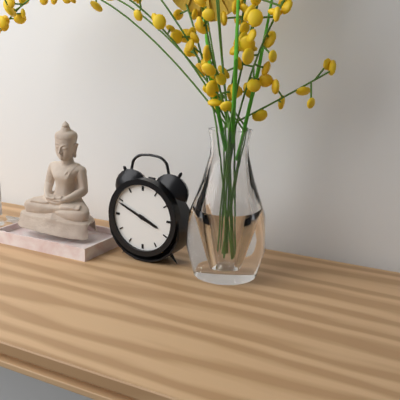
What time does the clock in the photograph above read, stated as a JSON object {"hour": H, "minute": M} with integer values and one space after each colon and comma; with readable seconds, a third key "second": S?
{"hour": 3, "minute": 49}
